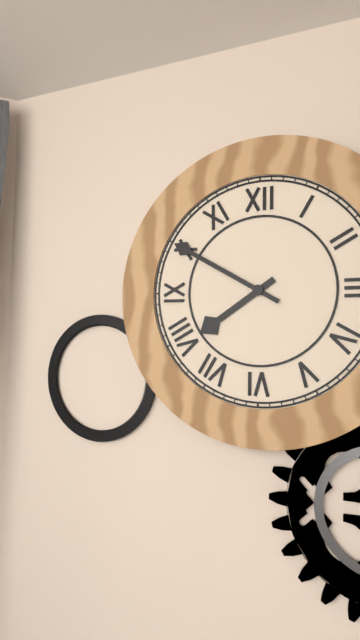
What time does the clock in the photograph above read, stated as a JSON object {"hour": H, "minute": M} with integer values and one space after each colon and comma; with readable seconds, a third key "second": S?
{"hour": 7, "minute": 50}
